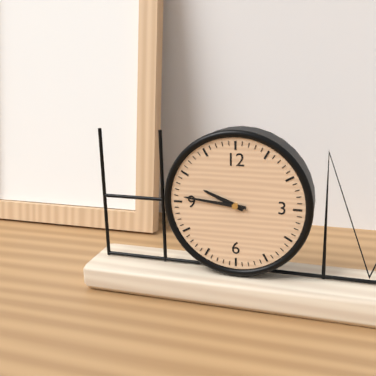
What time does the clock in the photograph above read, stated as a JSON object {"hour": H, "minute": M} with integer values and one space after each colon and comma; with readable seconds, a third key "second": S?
{"hour": 9, "minute": 46}
